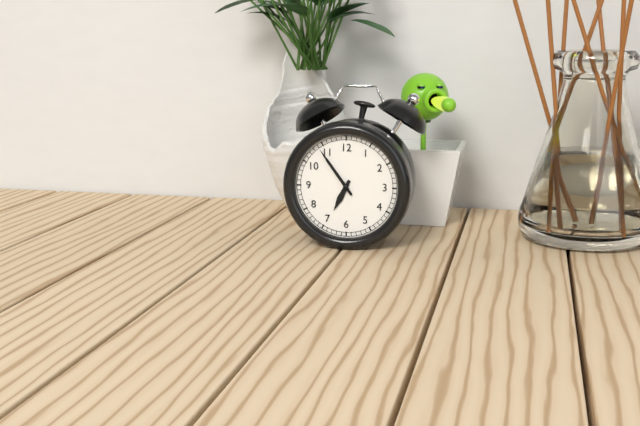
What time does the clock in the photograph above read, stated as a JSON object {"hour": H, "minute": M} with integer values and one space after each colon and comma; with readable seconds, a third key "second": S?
{"hour": 6, "minute": 54}
